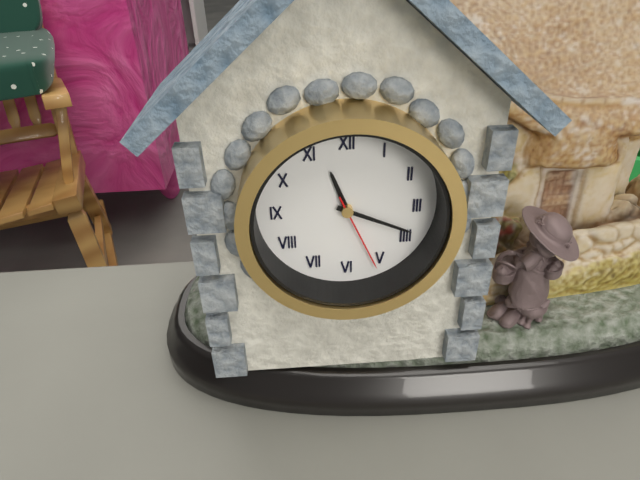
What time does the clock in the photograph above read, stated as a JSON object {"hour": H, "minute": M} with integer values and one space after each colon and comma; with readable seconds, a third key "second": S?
{"hour": 11, "minute": 19, "second": 26}
